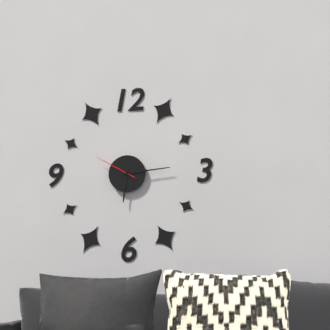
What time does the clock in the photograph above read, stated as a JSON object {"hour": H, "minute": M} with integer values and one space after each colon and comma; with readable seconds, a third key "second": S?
{"hour": 6, "minute": 14}
